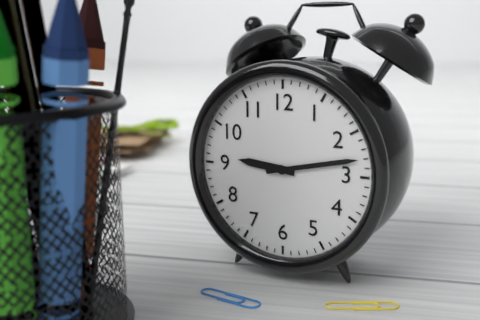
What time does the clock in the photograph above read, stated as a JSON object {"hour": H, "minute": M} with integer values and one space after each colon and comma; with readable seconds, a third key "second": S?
{"hour": 9, "minute": 13}
